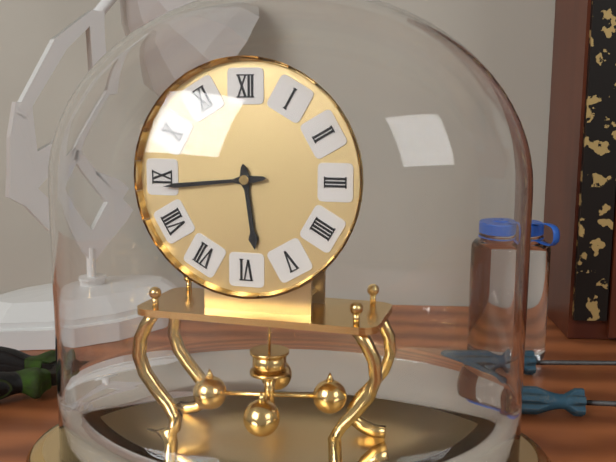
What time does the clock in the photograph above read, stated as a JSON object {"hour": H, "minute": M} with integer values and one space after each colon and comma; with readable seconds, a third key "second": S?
{"hour": 5, "minute": 44}
